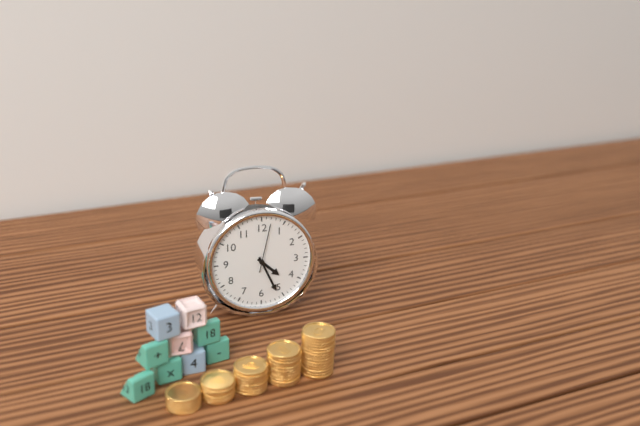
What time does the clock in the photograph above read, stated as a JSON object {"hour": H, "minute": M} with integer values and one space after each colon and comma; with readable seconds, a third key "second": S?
{"hour": 4, "minute": 26}
